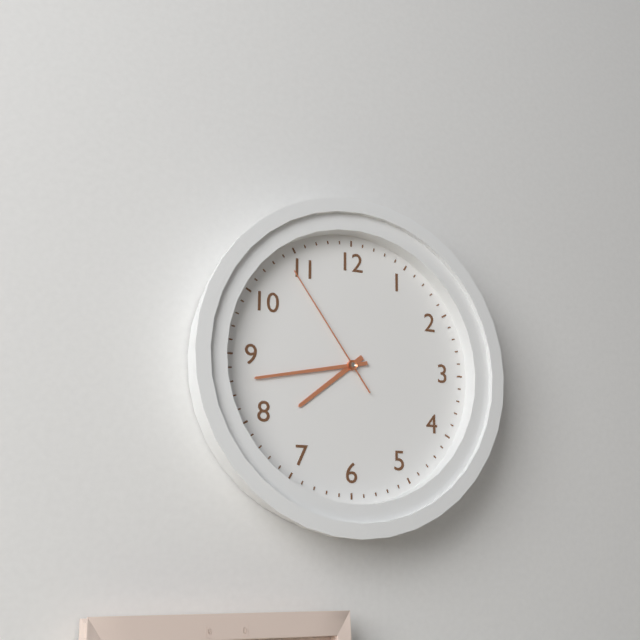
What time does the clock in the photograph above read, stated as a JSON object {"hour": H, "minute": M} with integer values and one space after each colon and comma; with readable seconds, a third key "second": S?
{"hour": 7, "minute": 43, "second": 54}
